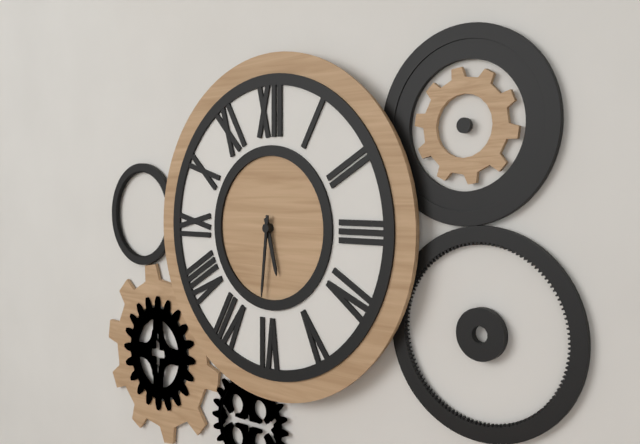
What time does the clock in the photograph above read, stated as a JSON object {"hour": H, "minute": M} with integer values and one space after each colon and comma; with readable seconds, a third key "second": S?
{"hour": 5, "minute": 31}
